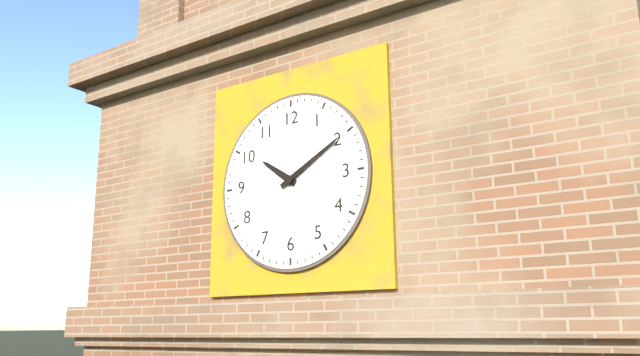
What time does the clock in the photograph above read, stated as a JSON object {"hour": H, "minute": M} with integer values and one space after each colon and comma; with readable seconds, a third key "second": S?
{"hour": 10, "minute": 10}
